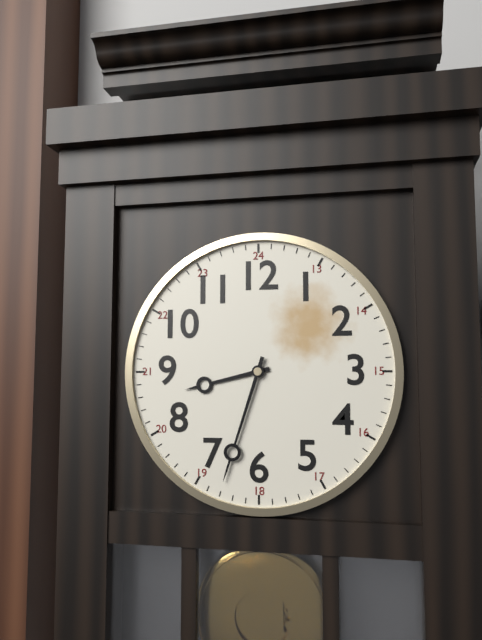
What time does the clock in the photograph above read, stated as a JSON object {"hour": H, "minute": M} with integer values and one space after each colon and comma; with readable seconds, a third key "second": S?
{"hour": 8, "minute": 33}
